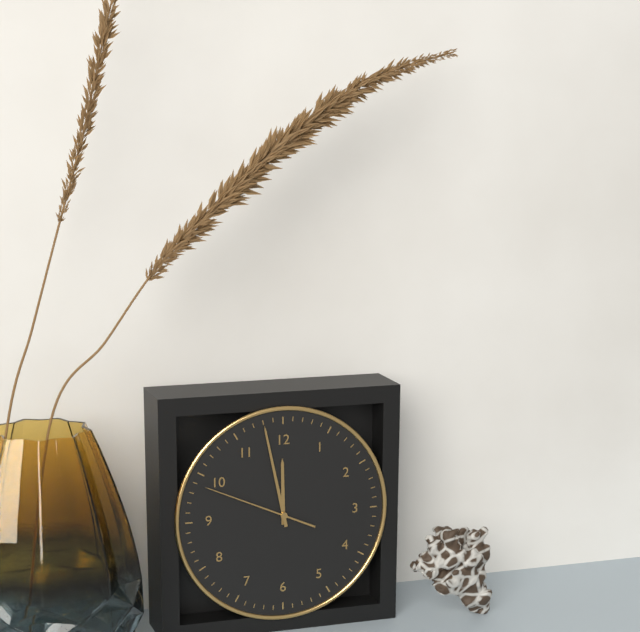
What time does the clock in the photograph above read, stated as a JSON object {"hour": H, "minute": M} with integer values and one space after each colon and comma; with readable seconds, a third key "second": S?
{"hour": 11, "minute": 58, "second": 49}
